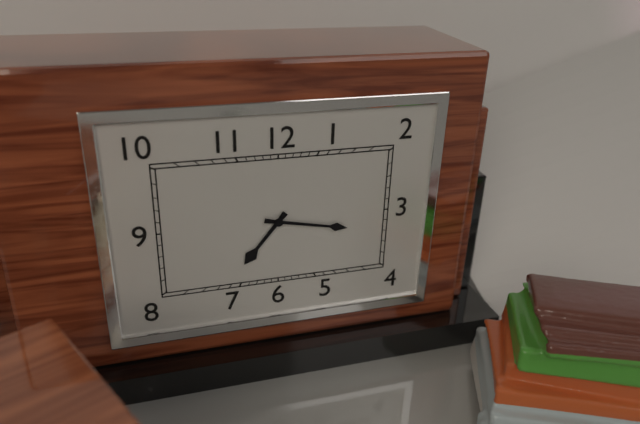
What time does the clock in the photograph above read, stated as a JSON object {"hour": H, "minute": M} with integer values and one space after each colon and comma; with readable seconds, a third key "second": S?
{"hour": 7, "minute": 17}
